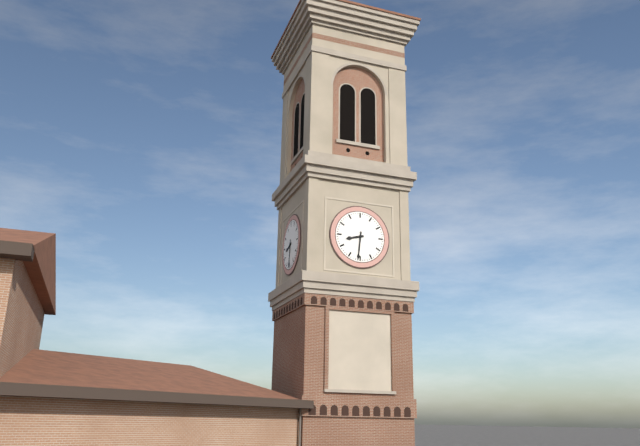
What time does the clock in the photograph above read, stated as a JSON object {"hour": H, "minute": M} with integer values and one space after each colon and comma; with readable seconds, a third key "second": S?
{"hour": 8, "minute": 31}
